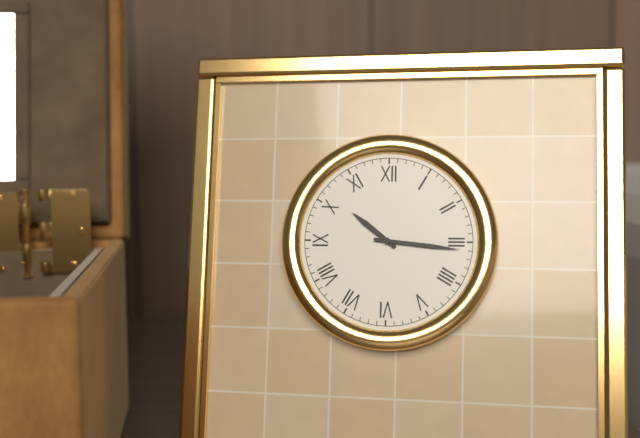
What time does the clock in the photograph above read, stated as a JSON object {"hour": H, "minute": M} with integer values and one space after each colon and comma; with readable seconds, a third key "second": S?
{"hour": 10, "minute": 16}
